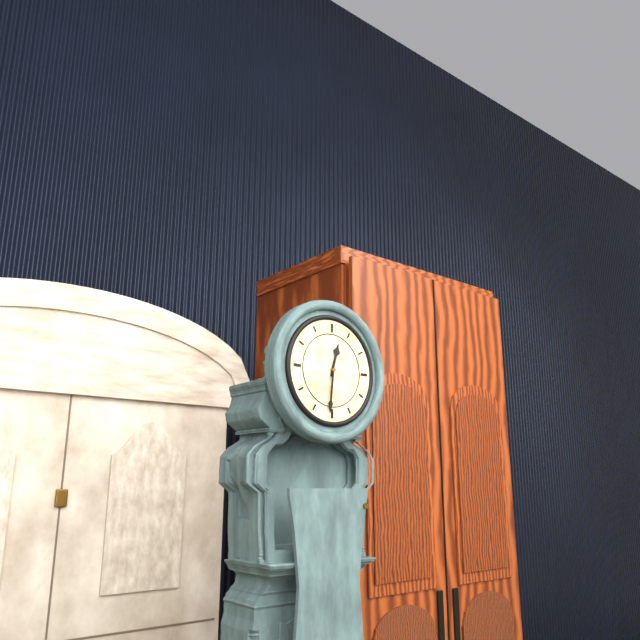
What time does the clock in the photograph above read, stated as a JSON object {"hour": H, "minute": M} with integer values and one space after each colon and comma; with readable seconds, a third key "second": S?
{"hour": 12, "minute": 31}
